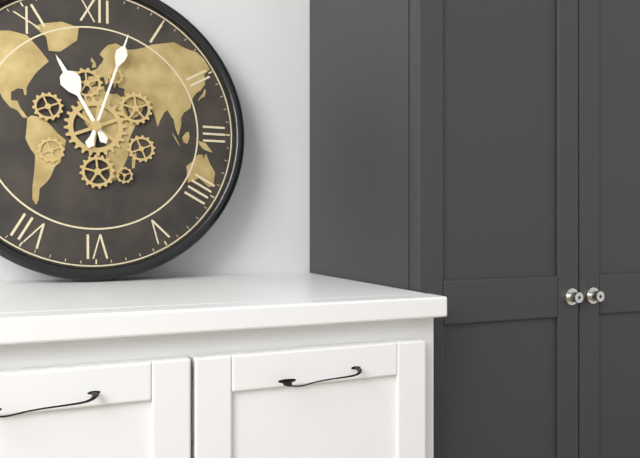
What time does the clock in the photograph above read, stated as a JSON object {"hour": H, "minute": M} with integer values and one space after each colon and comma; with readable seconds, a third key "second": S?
{"hour": 11, "minute": 3}
